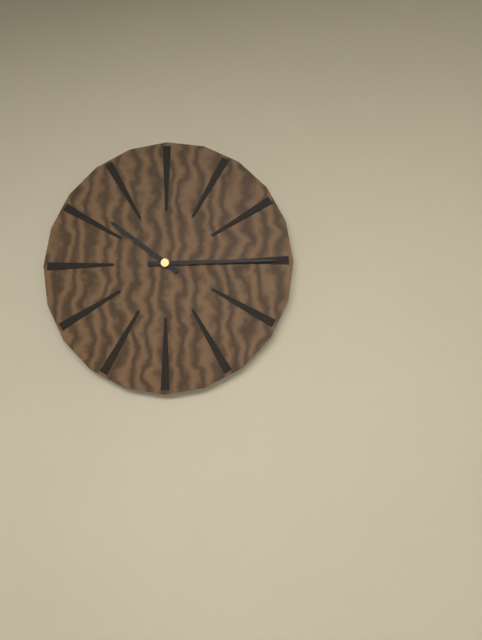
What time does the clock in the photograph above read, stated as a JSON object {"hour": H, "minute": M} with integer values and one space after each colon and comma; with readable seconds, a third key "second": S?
{"hour": 10, "minute": 15}
